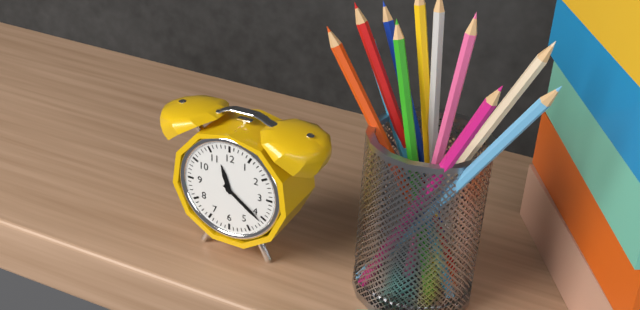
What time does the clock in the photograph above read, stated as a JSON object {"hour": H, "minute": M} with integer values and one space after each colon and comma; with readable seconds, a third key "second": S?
{"hour": 11, "minute": 21}
